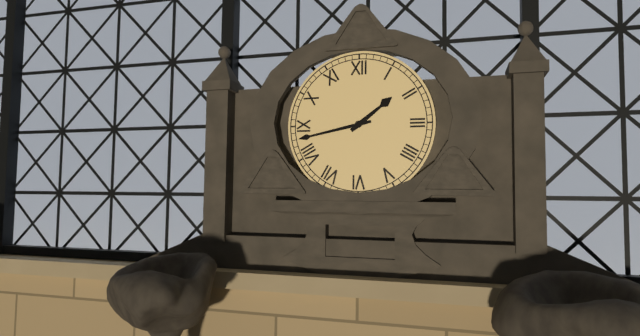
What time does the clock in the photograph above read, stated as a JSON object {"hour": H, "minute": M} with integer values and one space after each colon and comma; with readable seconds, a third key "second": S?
{"hour": 1, "minute": 43}
